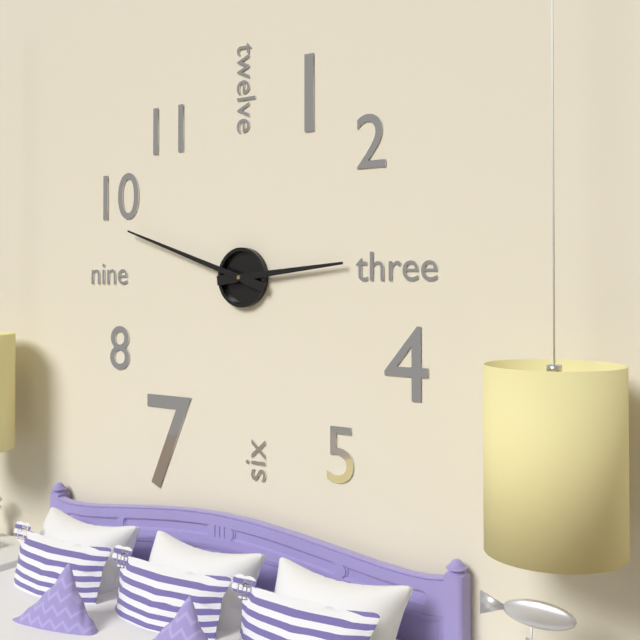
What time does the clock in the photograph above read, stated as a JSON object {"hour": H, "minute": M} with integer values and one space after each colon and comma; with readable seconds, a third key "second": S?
{"hour": 2, "minute": 48}
